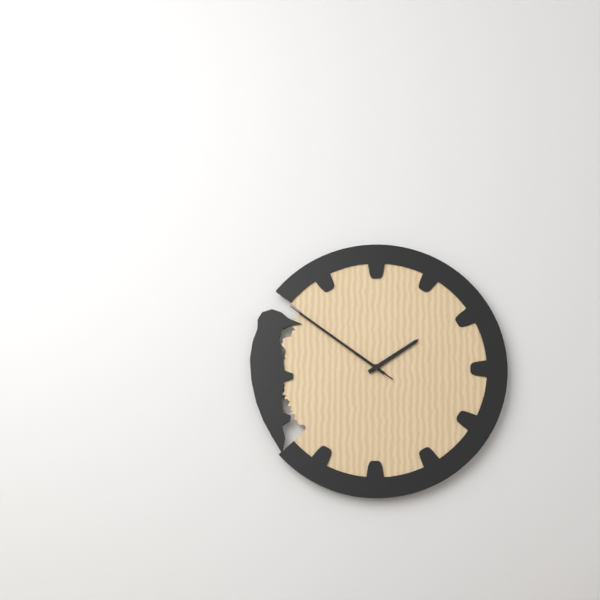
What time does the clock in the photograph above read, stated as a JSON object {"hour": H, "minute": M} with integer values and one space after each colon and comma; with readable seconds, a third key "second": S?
{"hour": 1, "minute": 51, "second": 51}
